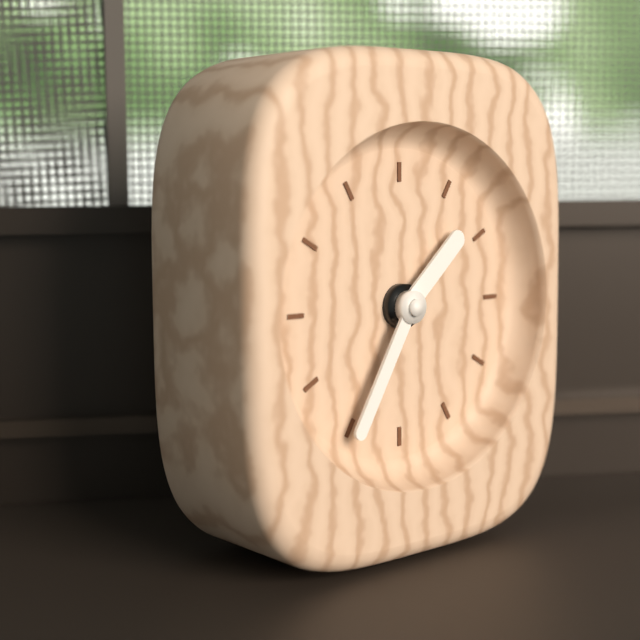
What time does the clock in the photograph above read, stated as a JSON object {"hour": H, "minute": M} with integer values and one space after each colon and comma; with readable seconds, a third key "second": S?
{"hour": 1, "minute": 35}
